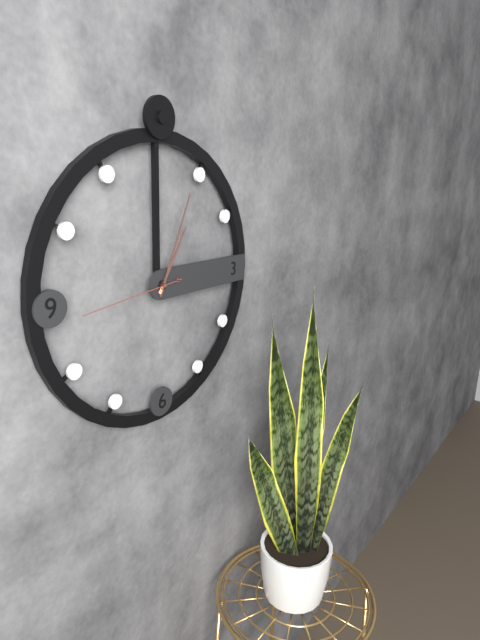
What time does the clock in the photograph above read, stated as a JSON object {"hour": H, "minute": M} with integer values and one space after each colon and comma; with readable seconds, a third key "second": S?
{"hour": 1, "minute": 4, "second": 44}
